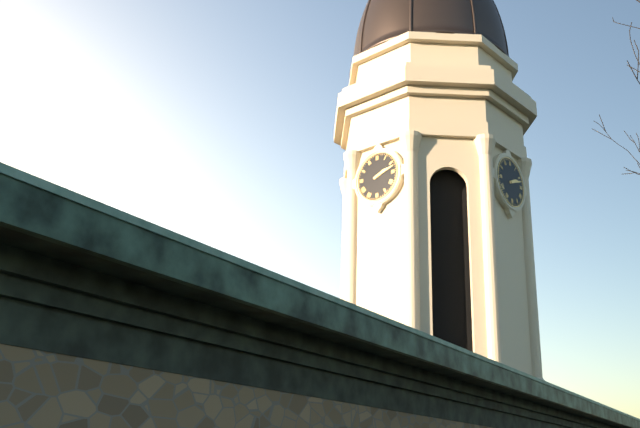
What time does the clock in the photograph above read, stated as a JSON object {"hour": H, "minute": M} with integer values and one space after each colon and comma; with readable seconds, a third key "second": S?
{"hour": 2, "minute": 12}
